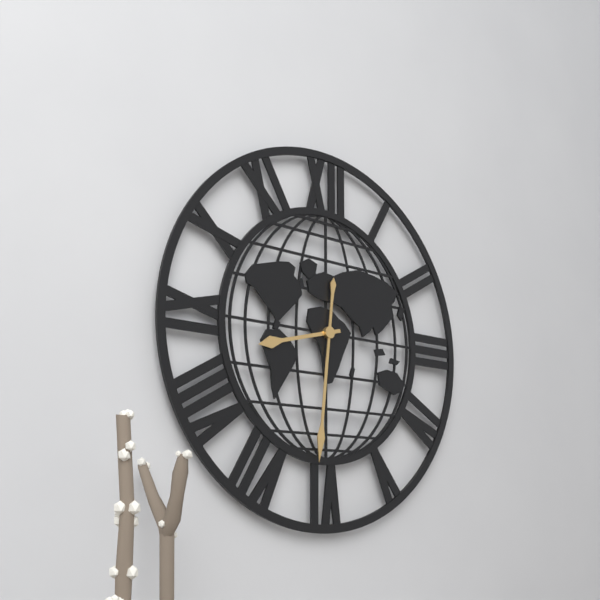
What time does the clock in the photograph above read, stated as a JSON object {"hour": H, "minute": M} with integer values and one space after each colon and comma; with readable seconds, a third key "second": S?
{"hour": 8, "minute": 31}
